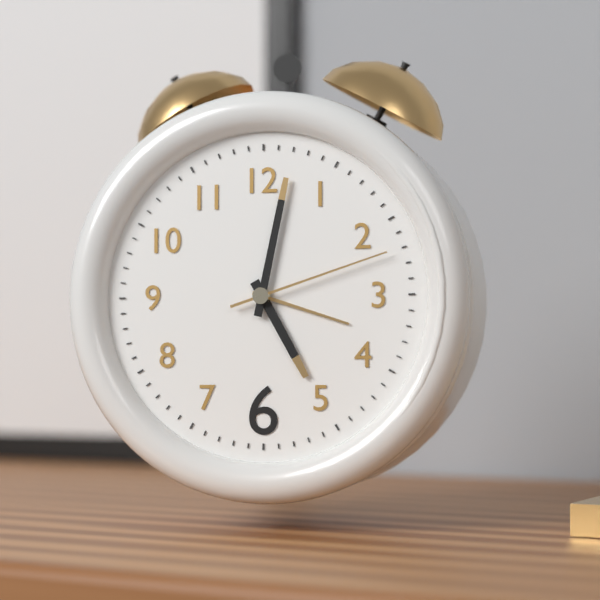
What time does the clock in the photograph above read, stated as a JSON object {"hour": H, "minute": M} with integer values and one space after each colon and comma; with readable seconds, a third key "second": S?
{"hour": 5, "minute": 2, "second": 12}
